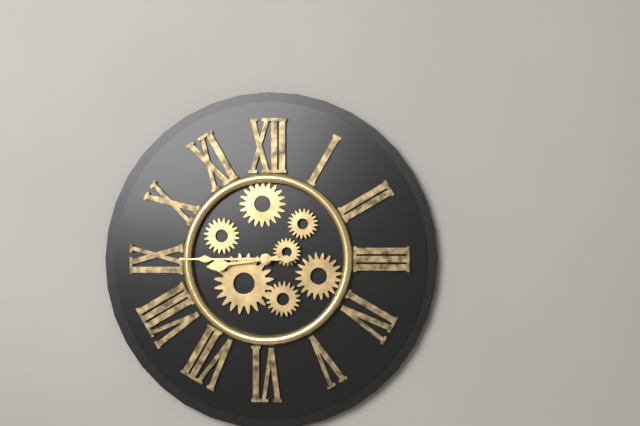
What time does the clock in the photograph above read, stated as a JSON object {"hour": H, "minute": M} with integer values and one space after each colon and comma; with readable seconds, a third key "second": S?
{"hour": 8, "minute": 45}
